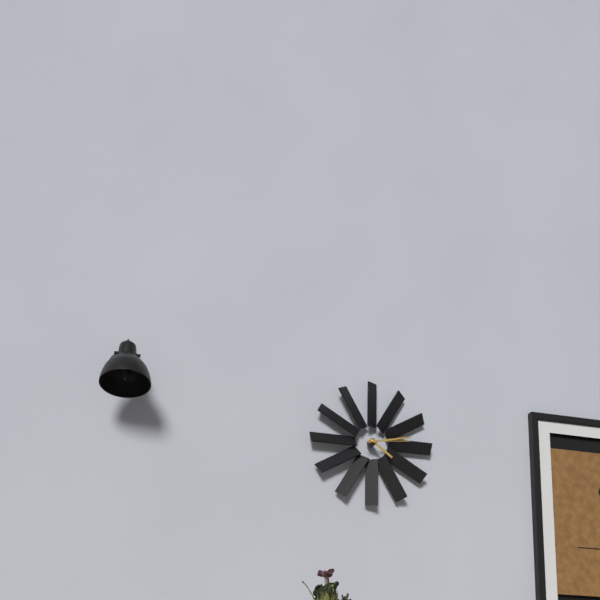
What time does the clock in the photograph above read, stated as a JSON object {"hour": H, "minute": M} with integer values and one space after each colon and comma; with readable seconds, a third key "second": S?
{"hour": 4, "minute": 13}
